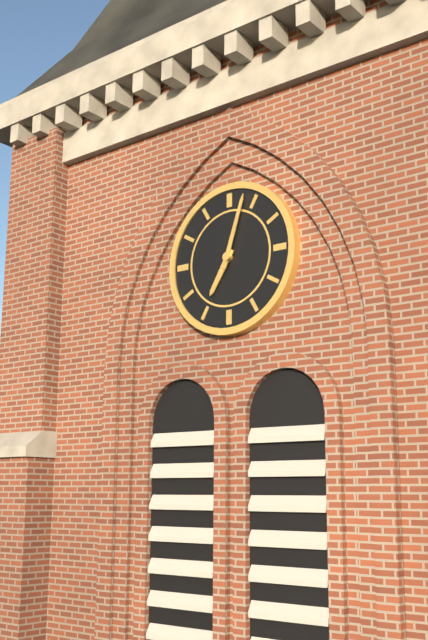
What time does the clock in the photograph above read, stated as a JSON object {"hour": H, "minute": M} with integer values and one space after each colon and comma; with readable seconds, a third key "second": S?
{"hour": 7, "minute": 3}
